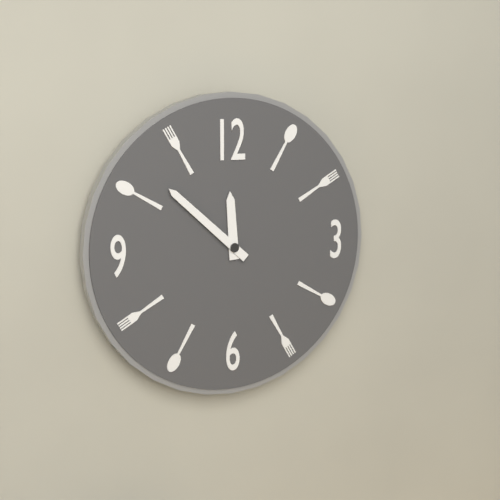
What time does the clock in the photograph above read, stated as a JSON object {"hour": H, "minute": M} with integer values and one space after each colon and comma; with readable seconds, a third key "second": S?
{"hour": 11, "minute": 52}
